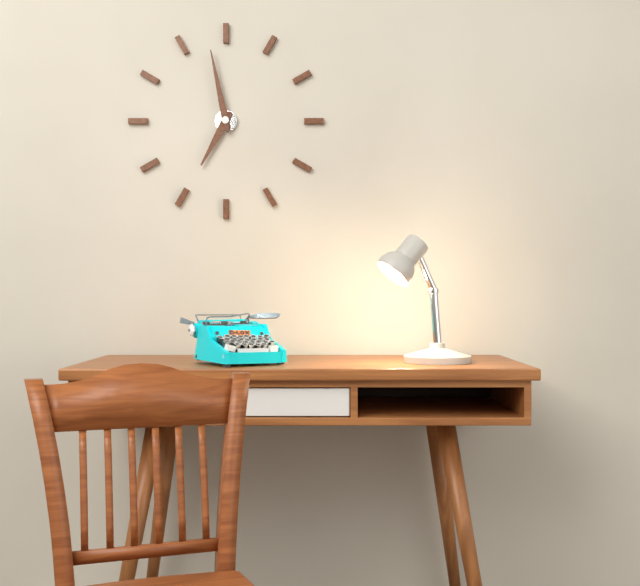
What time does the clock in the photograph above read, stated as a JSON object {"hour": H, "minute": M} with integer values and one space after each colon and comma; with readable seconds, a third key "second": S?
{"hour": 6, "minute": 58}
